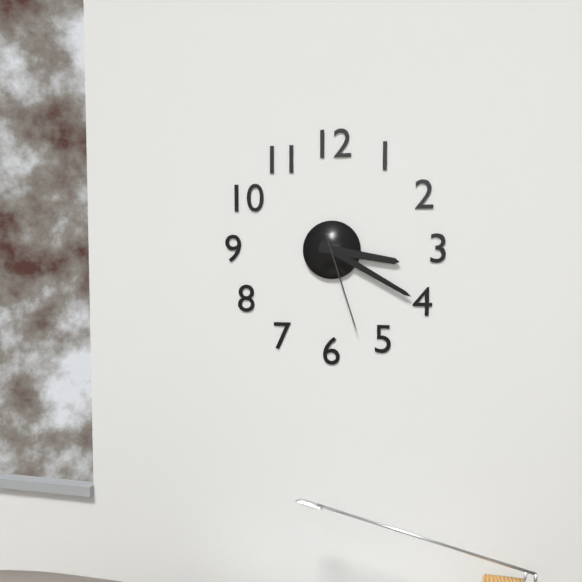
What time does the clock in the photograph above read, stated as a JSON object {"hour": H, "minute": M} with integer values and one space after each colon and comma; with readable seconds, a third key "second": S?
{"hour": 3, "minute": 20, "second": 27}
